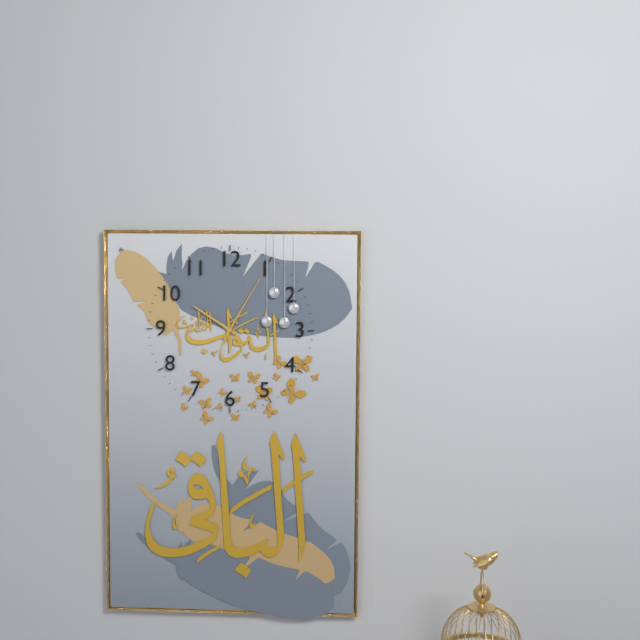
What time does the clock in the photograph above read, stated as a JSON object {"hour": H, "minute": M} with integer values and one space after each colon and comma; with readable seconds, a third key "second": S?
{"hour": 10, "minute": 5}
